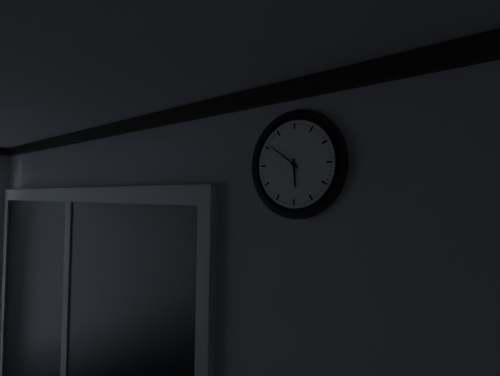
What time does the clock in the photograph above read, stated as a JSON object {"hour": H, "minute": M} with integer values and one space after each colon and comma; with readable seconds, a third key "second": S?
{"hour": 5, "minute": 51}
